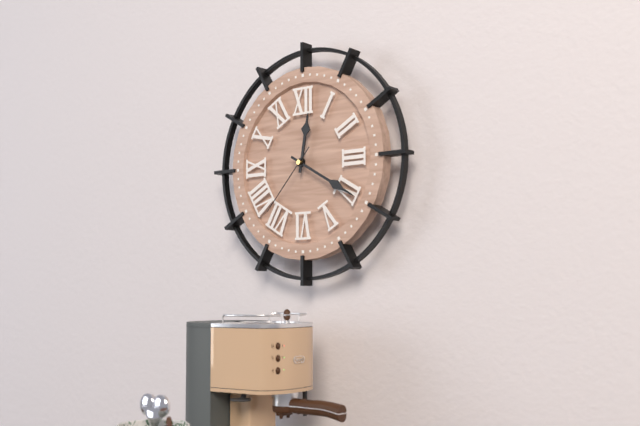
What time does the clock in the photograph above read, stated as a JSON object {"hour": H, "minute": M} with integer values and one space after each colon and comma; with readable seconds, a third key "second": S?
{"hour": 12, "minute": 20, "second": 37}
